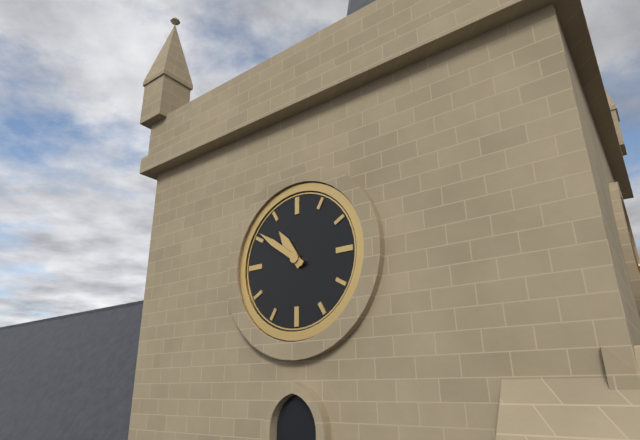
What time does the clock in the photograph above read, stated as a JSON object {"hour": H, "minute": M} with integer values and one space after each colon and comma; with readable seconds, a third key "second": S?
{"hour": 10, "minute": 51}
